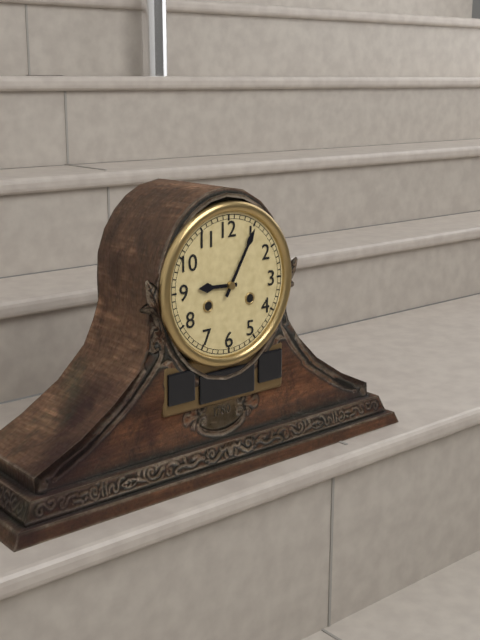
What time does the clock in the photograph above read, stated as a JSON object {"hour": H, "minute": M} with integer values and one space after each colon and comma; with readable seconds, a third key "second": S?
{"hour": 9, "minute": 5}
